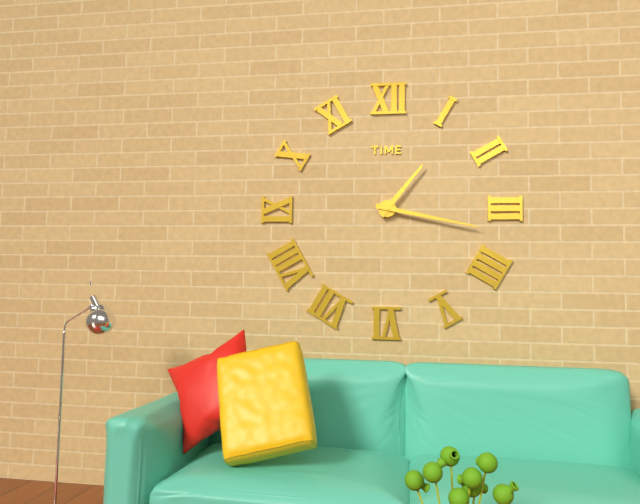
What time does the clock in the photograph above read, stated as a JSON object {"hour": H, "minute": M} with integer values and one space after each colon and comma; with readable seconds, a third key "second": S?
{"hour": 1, "minute": 17}
